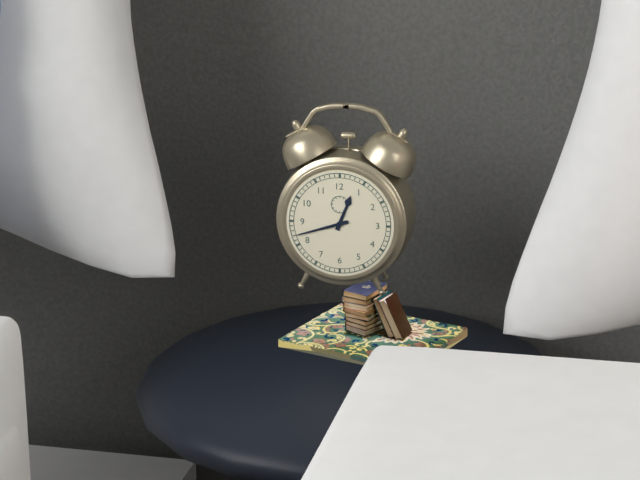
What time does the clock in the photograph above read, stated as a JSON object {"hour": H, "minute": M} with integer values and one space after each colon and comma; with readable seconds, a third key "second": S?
{"hour": 12, "minute": 42}
